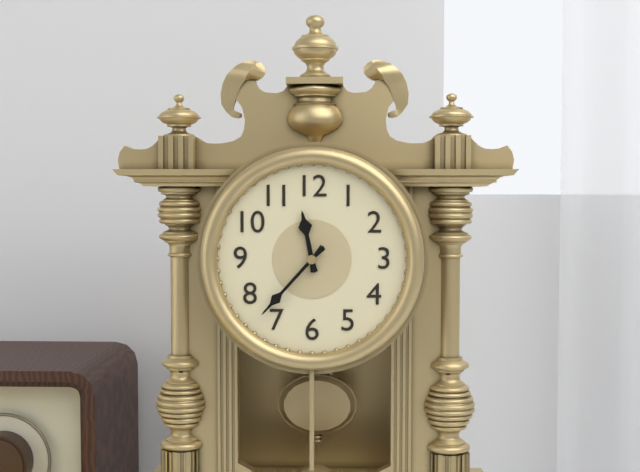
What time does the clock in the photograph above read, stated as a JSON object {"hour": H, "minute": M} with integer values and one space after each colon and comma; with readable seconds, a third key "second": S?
{"hour": 11, "minute": 37}
